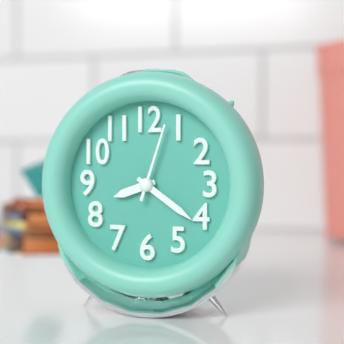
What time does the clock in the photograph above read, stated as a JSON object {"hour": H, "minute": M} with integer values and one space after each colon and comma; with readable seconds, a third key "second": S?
{"hour": 8, "minute": 21, "second": 3}
